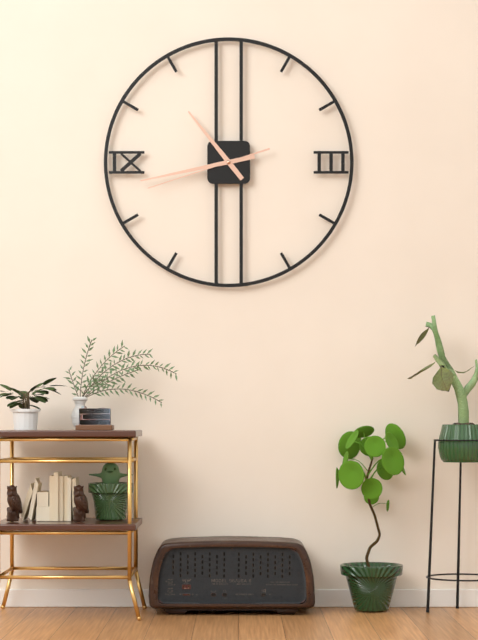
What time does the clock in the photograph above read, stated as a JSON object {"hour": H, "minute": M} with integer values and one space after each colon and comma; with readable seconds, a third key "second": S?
{"hour": 10, "minute": 43, "second": 42}
